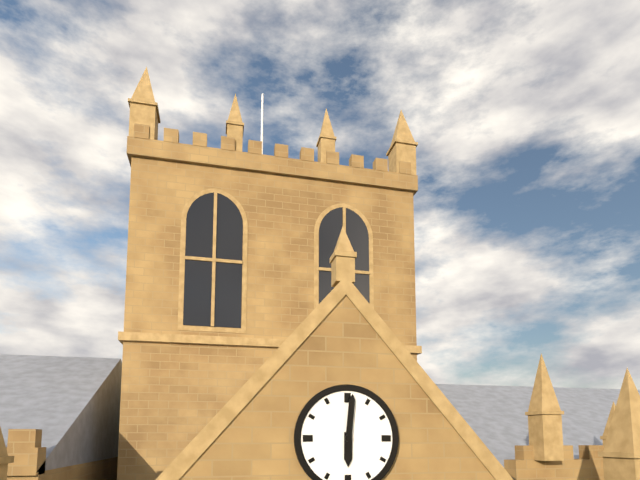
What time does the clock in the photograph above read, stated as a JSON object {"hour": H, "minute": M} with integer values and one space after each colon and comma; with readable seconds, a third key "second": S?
{"hour": 6, "minute": 1}
